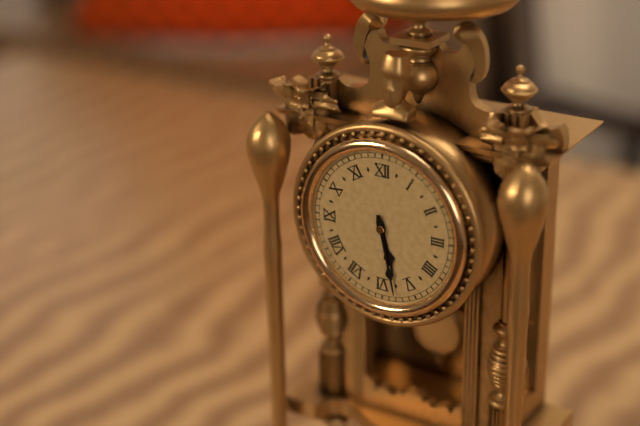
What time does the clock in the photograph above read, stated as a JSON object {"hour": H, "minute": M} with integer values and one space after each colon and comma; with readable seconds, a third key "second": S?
{"hour": 5, "minute": 28}
